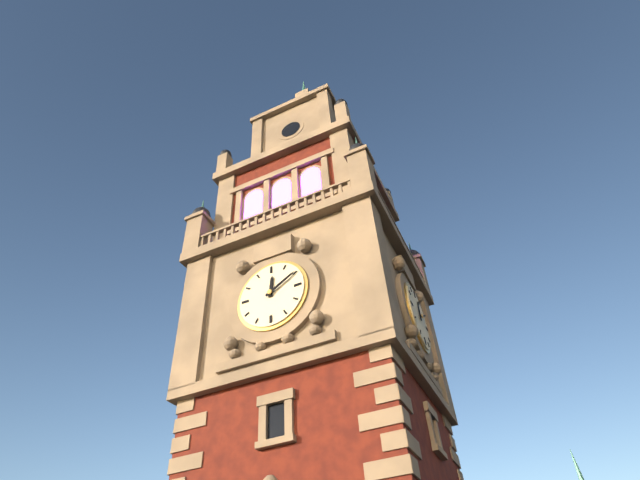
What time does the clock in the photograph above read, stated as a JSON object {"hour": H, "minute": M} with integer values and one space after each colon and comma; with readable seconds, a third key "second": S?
{"hour": 12, "minute": 10}
